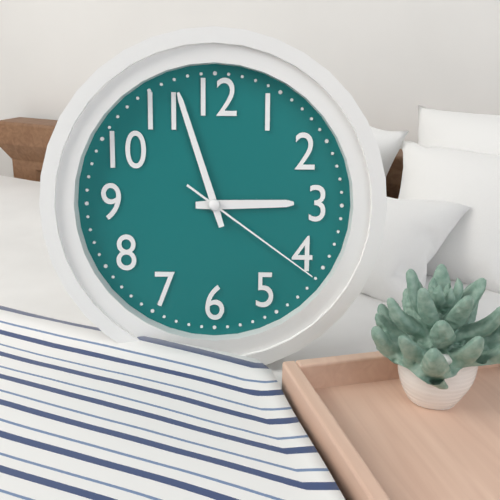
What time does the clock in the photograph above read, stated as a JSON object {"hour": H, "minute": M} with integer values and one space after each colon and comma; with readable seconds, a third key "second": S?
{"hour": 2, "minute": 57, "second": 21}
